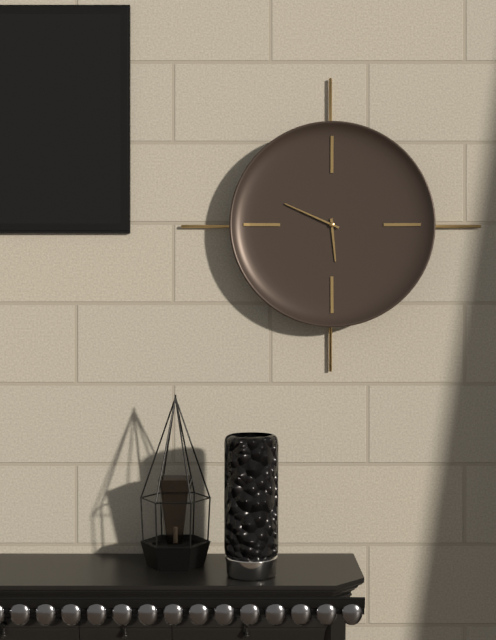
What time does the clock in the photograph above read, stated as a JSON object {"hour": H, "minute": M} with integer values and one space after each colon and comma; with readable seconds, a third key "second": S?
{"hour": 5, "minute": 49}
